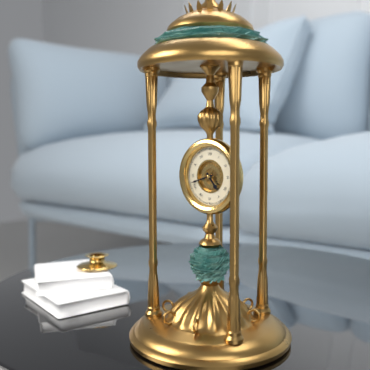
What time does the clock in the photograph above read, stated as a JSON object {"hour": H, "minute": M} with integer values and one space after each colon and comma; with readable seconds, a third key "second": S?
{"hour": 4, "minute": 42}
